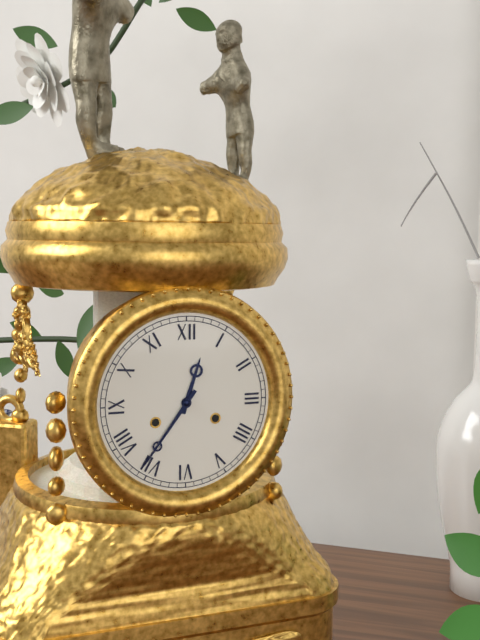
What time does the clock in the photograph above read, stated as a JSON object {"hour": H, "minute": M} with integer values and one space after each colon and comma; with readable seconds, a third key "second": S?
{"hour": 12, "minute": 36}
